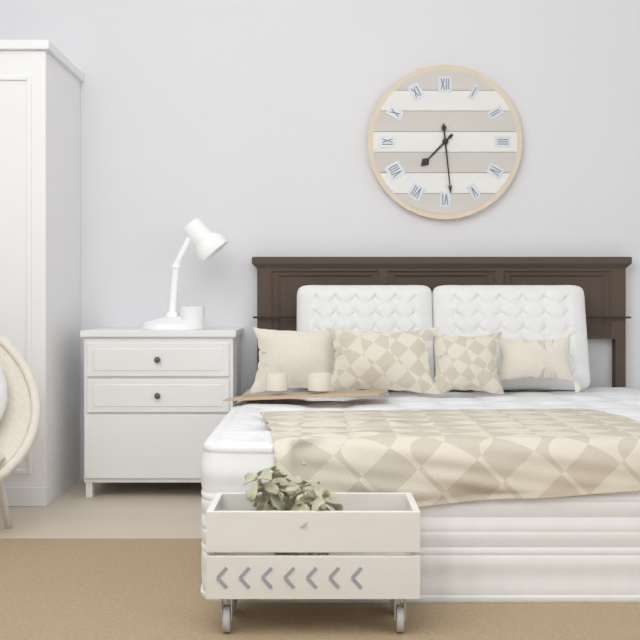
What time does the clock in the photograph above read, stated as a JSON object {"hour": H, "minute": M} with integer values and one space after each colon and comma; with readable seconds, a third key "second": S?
{"hour": 7, "minute": 29}
